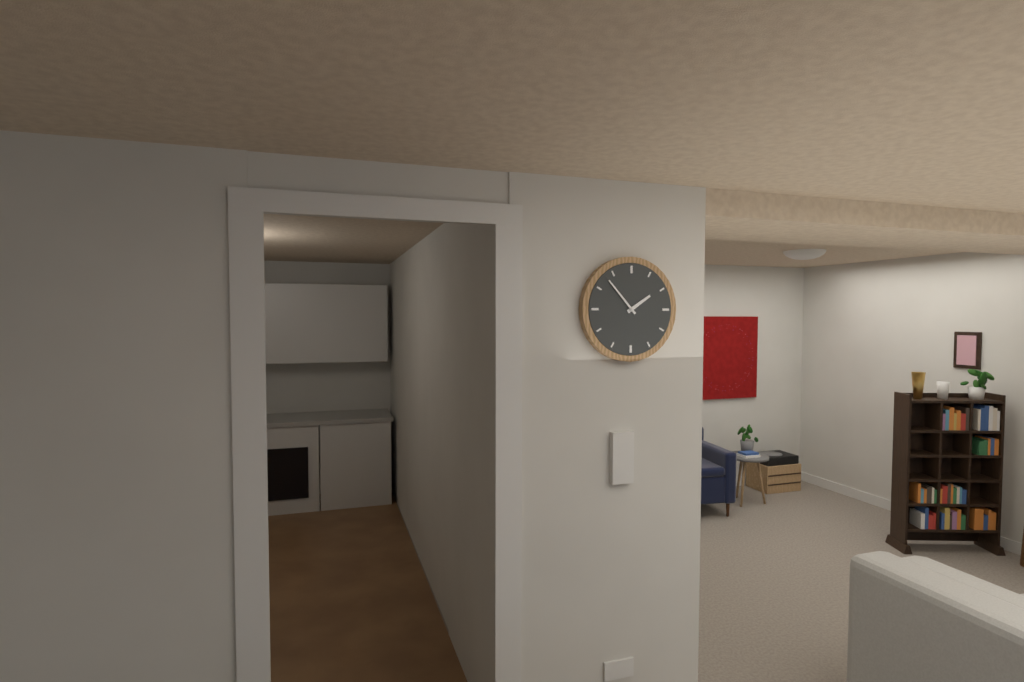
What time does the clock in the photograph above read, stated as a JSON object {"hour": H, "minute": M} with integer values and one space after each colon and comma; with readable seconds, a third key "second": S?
{"hour": 1, "minute": 53}
